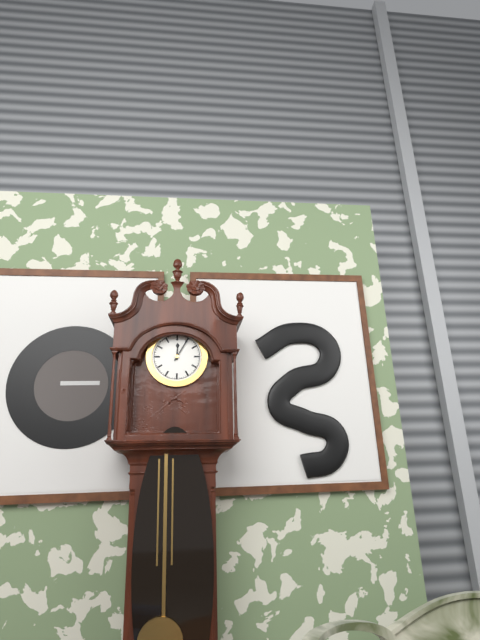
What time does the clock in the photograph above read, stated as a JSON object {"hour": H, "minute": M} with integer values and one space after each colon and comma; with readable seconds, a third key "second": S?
{"hour": 12, "minute": 5}
